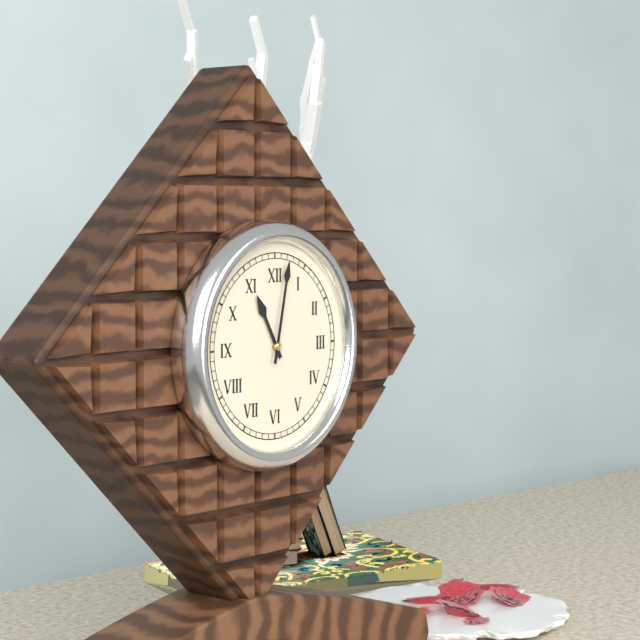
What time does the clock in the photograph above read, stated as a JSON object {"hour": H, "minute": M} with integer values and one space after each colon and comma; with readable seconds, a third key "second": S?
{"hour": 11, "minute": 2}
